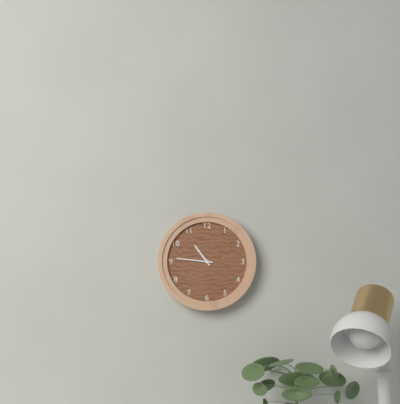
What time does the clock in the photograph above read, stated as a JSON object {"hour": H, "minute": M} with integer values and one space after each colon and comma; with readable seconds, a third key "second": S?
{"hour": 10, "minute": 46}
